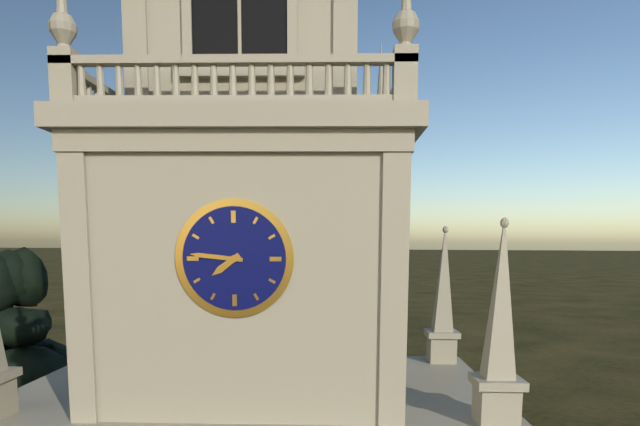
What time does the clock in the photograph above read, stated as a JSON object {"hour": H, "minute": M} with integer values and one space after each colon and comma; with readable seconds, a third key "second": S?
{"hour": 7, "minute": 46}
